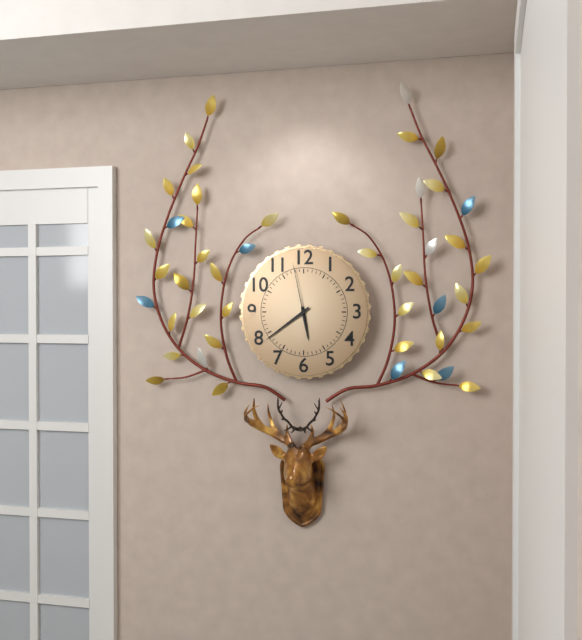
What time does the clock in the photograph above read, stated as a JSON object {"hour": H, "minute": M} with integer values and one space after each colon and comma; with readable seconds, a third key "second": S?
{"hour": 5, "minute": 39, "second": 58}
